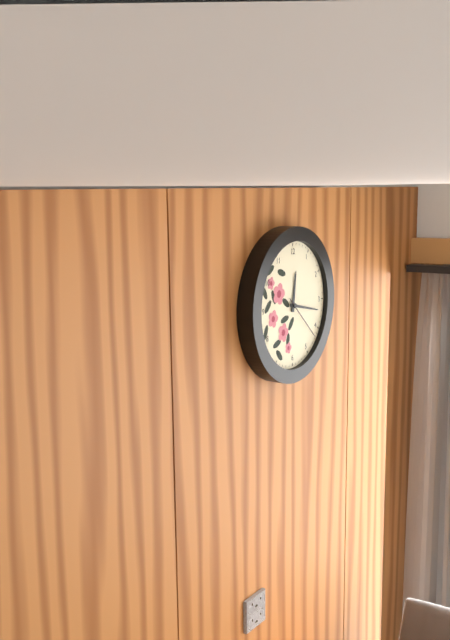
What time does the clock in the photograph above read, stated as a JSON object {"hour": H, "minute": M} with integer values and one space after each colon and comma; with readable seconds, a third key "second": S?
{"hour": 12, "minute": 17}
